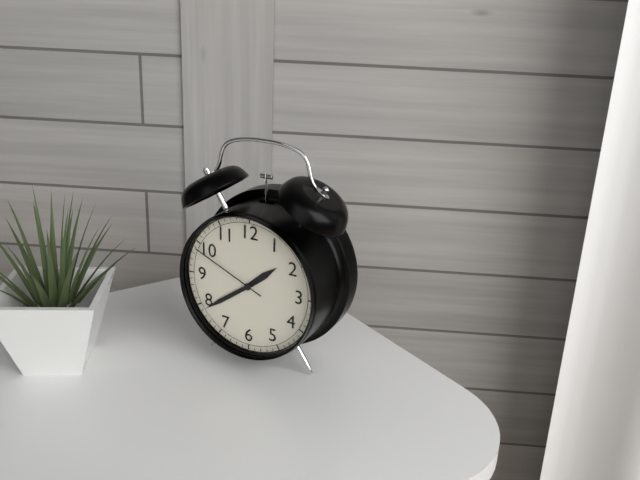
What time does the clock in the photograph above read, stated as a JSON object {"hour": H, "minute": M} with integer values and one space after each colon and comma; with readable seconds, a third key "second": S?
{"hour": 1, "minute": 39, "second": 49}
